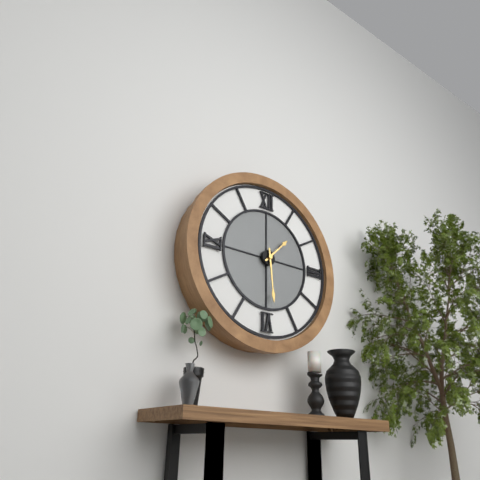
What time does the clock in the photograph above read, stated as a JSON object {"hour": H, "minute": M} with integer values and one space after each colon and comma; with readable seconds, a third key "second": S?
{"hour": 1, "minute": 29}
